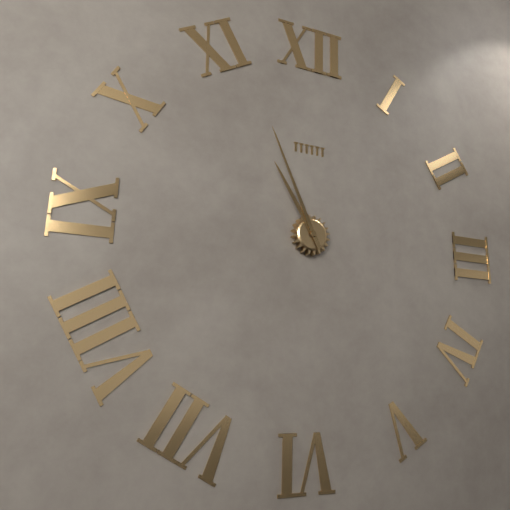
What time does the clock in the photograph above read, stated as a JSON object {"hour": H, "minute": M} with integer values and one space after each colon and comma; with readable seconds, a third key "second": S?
{"hour": 10, "minute": 56}
